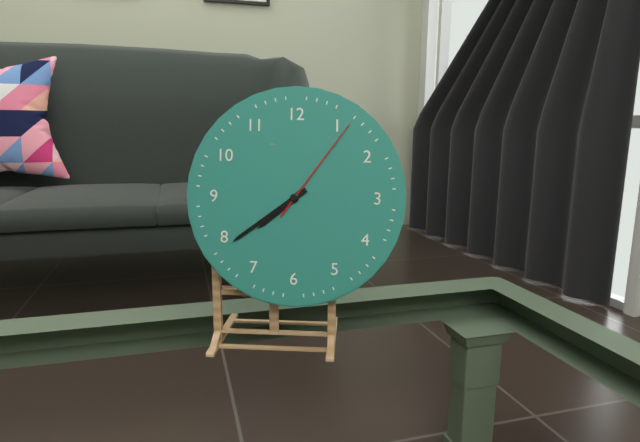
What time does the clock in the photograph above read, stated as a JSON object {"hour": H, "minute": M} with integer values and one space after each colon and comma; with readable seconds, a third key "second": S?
{"hour": 7, "minute": 39, "second": 6}
